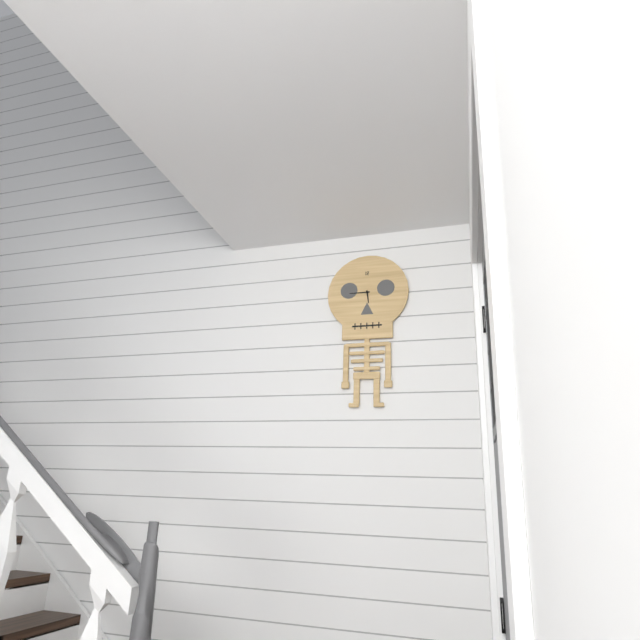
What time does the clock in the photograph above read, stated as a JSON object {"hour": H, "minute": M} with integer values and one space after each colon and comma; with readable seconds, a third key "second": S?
{"hour": 5, "minute": 45}
